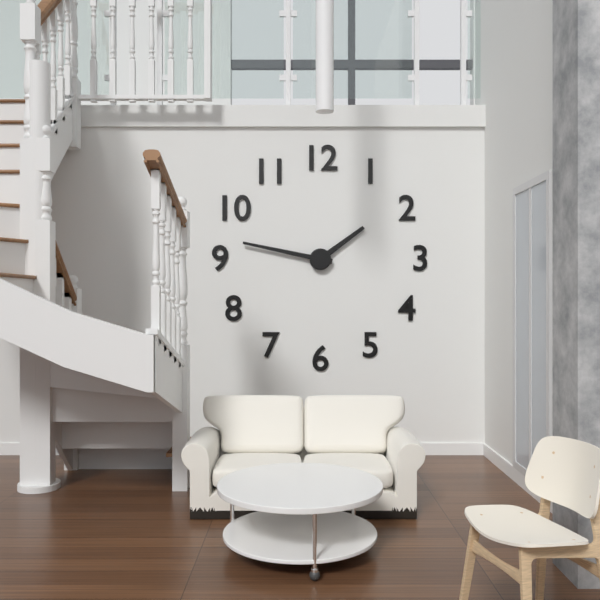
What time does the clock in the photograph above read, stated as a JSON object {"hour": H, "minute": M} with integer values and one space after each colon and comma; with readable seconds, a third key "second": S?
{"hour": 1, "minute": 47}
